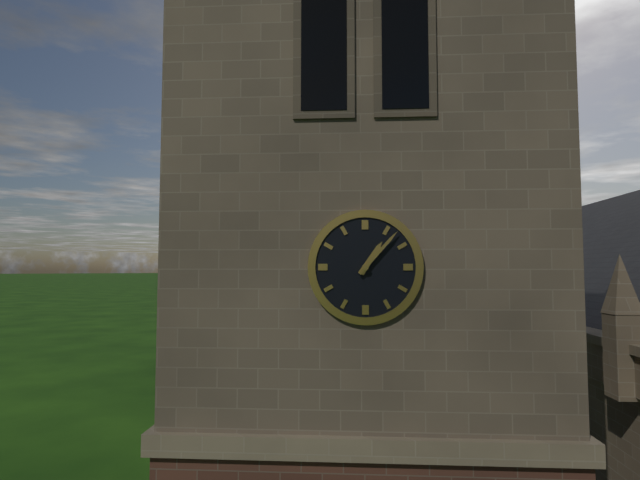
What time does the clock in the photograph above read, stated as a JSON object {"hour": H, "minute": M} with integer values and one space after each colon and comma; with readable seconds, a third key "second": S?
{"hour": 1, "minute": 7}
